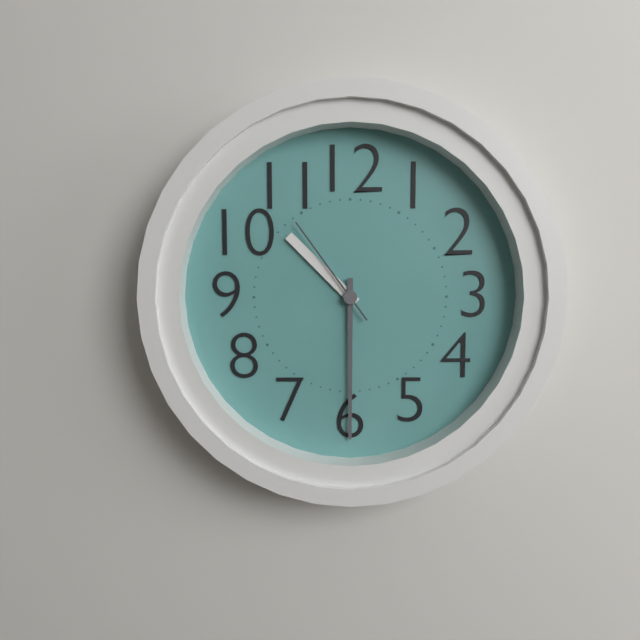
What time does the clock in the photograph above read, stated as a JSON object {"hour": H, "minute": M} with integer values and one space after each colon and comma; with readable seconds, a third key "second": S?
{"hour": 10, "minute": 30, "second": 54}
